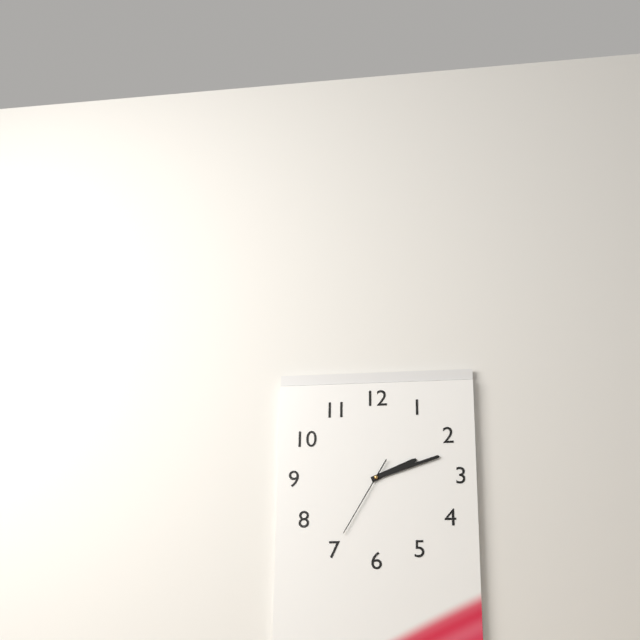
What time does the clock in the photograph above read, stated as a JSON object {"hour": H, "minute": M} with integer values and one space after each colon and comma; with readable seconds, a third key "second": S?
{"hour": 2, "minute": 12, "second": 35}
